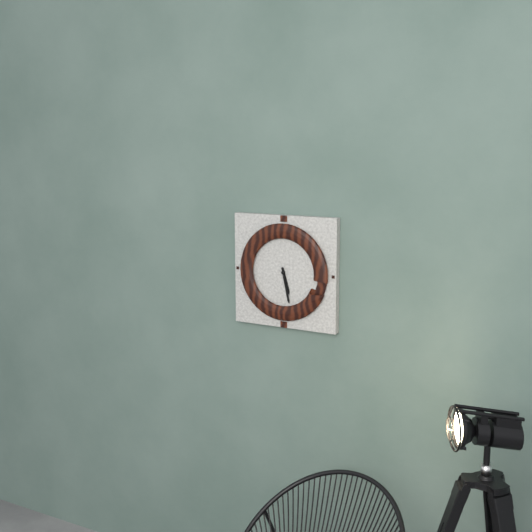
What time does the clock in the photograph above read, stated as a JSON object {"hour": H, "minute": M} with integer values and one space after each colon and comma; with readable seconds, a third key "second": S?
{"hour": 5, "minute": 28}
